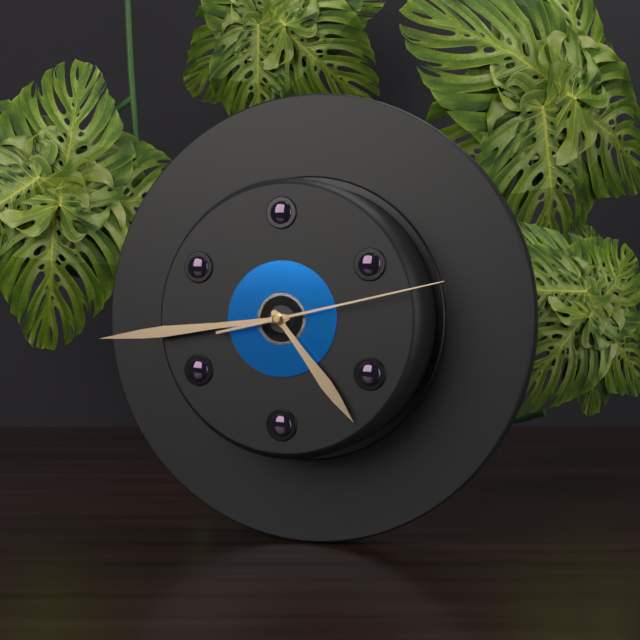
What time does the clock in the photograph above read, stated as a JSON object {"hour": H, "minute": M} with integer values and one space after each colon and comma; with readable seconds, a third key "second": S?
{"hour": 4, "minute": 44, "second": 13}
